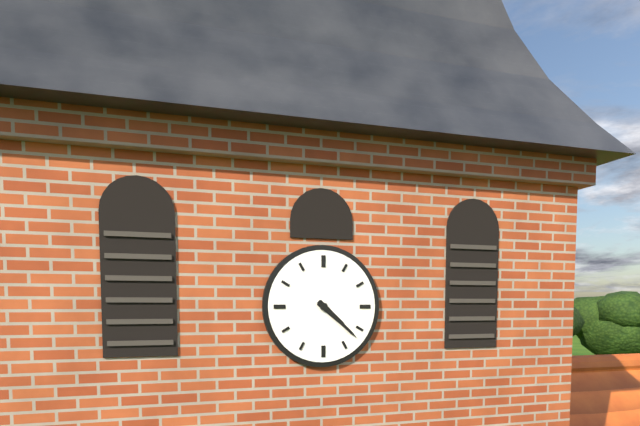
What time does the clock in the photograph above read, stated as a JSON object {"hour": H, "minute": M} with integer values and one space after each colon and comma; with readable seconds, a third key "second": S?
{"hour": 4, "minute": 22}
